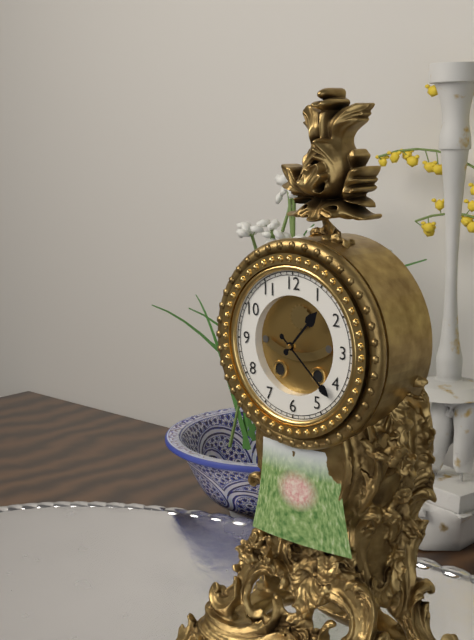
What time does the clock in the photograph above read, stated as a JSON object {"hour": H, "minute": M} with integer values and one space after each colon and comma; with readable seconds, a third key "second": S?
{"hour": 1, "minute": 22}
